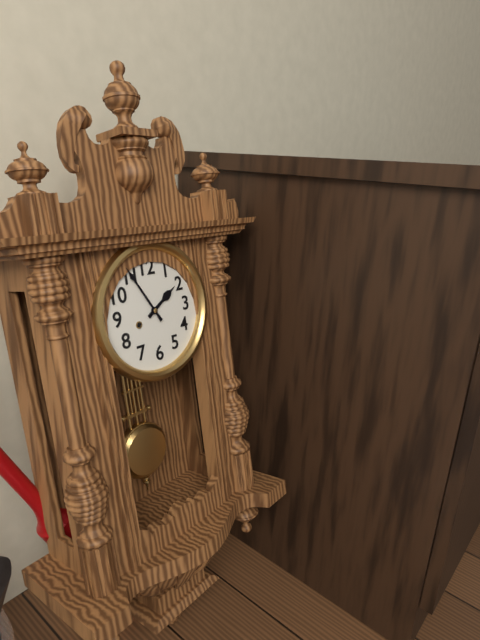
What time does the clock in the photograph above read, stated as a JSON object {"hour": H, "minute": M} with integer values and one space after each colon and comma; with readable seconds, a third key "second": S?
{"hour": 1, "minute": 55}
